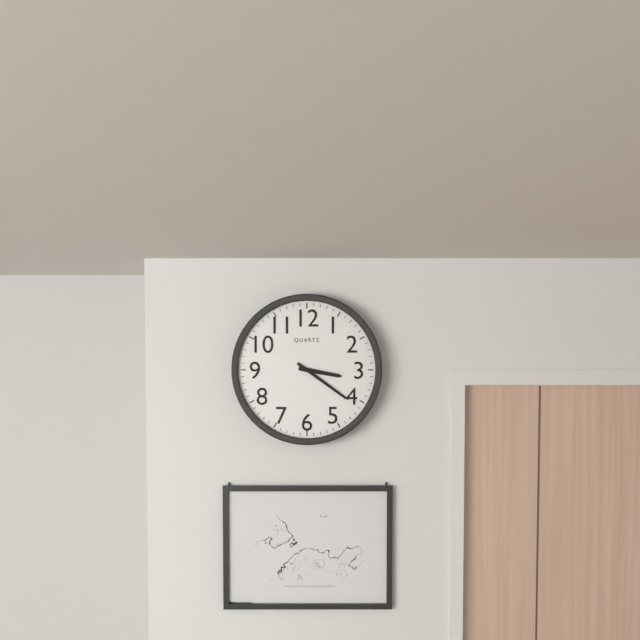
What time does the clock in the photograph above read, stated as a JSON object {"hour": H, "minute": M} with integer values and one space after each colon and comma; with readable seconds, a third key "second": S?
{"hour": 3, "minute": 21}
